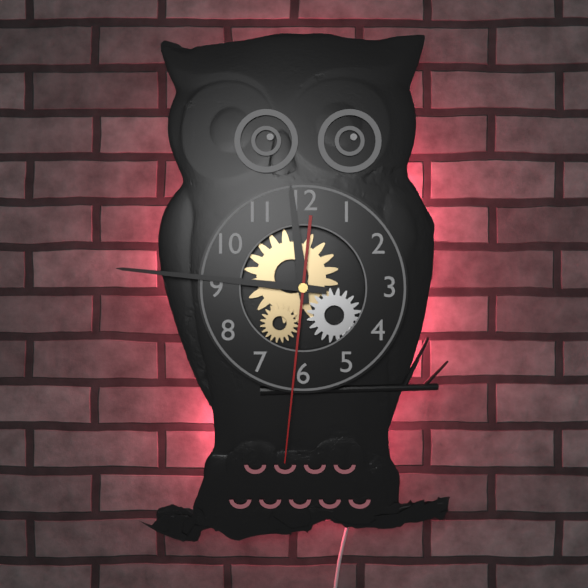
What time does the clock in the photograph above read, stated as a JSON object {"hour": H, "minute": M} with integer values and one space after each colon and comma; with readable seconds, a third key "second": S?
{"hour": 11, "minute": 46, "second": 31}
